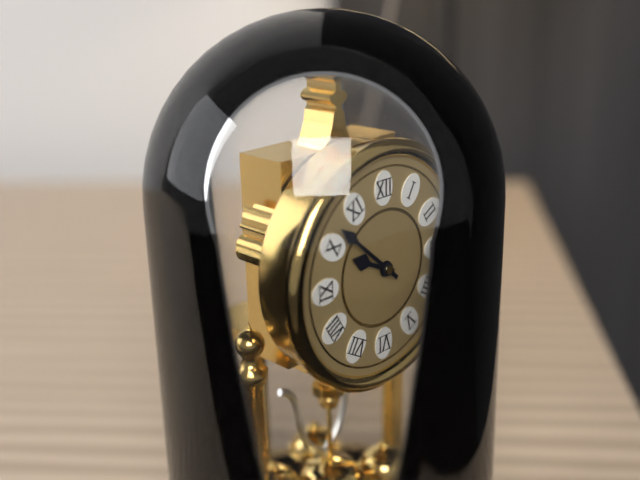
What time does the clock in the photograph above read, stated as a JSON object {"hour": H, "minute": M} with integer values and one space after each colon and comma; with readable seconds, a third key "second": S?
{"hour": 9, "minute": 52}
